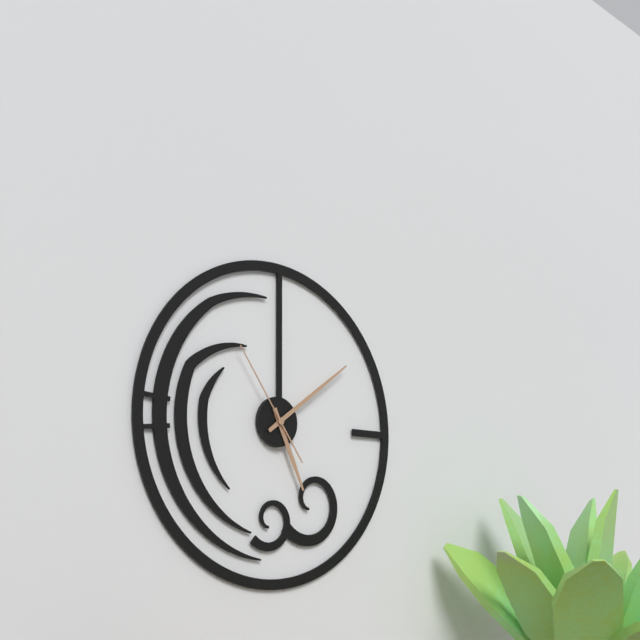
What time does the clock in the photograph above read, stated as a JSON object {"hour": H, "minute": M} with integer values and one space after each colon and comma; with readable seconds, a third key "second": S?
{"hour": 5, "minute": 9, "second": 54}
